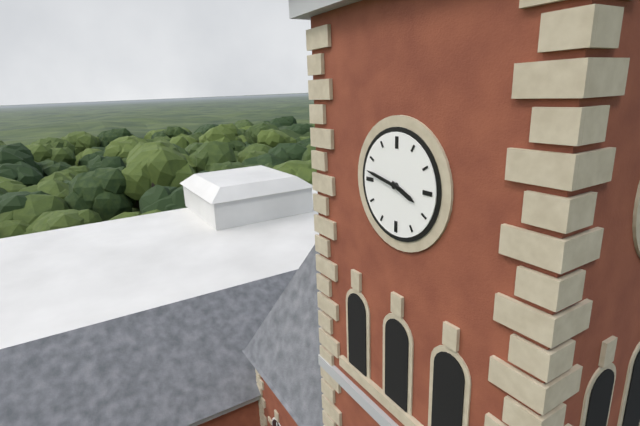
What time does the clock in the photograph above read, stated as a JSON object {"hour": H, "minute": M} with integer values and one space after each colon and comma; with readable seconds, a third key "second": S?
{"hour": 3, "minute": 47}
